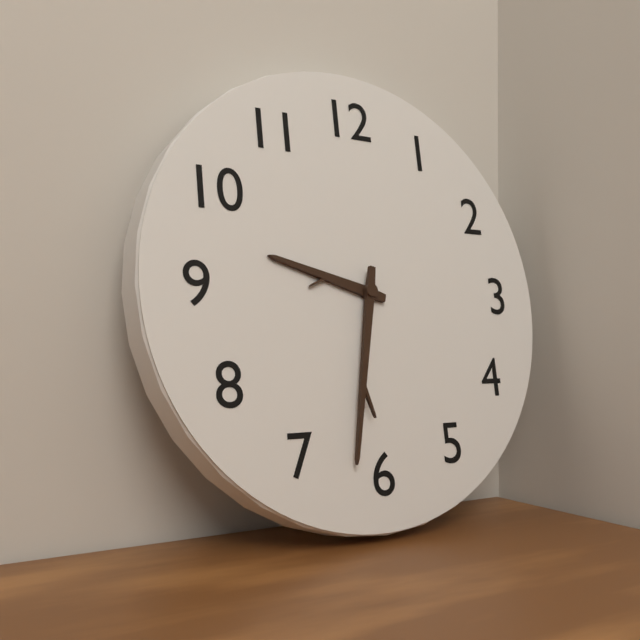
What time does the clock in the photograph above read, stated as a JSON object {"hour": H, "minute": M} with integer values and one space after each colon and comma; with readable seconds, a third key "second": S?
{"hour": 9, "minute": 32}
